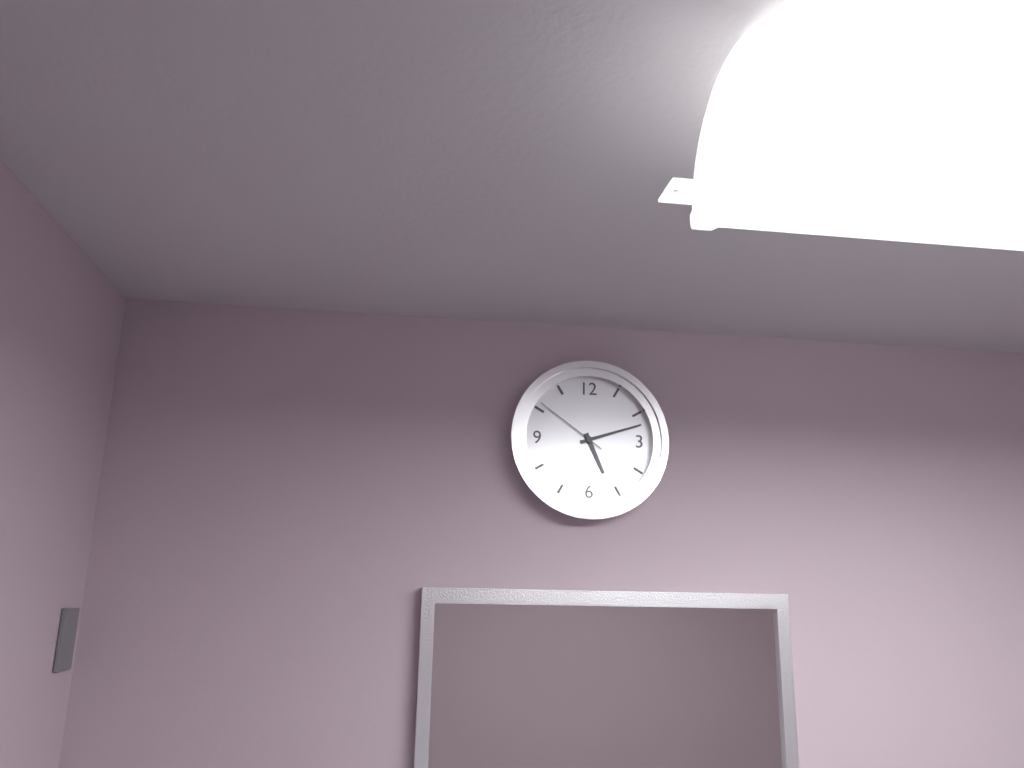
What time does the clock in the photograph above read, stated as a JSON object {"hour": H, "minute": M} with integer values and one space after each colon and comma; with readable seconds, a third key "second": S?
{"hour": 5, "minute": 12, "second": 51}
